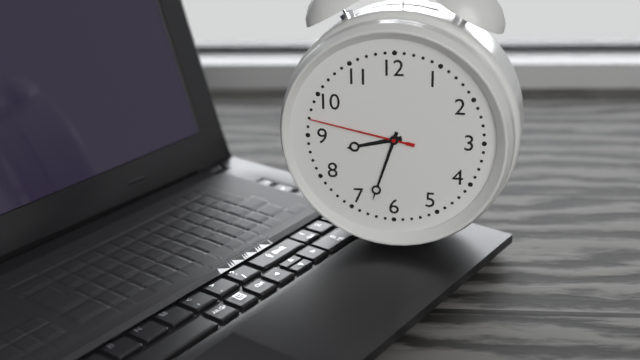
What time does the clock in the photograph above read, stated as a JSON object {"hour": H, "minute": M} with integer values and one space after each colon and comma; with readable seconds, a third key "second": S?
{"hour": 8, "minute": 33, "second": 47}
